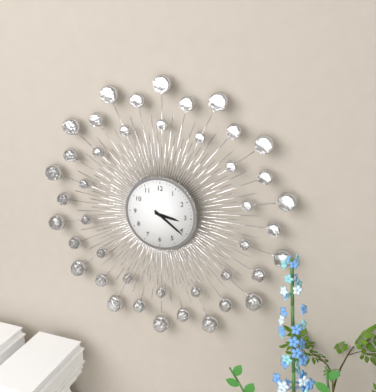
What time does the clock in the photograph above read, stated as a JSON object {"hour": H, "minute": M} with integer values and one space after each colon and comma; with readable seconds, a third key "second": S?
{"hour": 3, "minute": 21}
